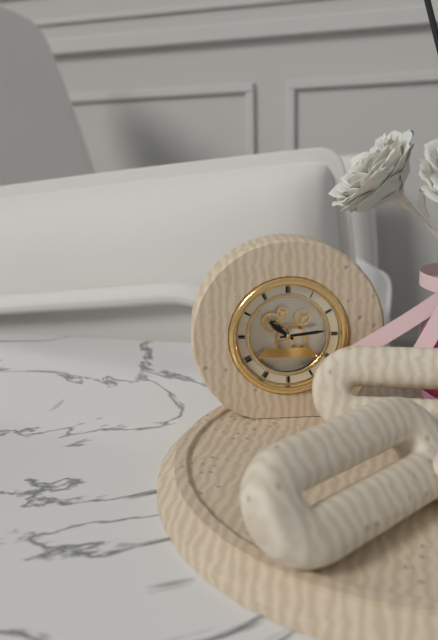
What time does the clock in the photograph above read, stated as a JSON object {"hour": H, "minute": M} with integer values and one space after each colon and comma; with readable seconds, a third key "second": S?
{"hour": 10, "minute": 14}
